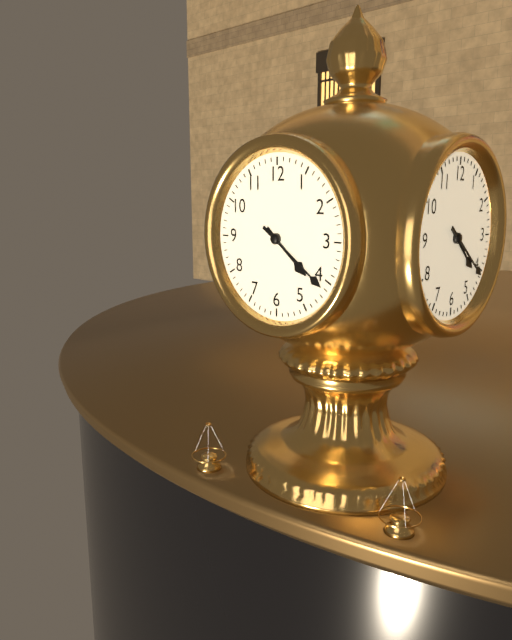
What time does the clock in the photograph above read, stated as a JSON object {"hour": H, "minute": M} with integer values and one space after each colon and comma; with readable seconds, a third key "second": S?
{"hour": 4, "minute": 21}
